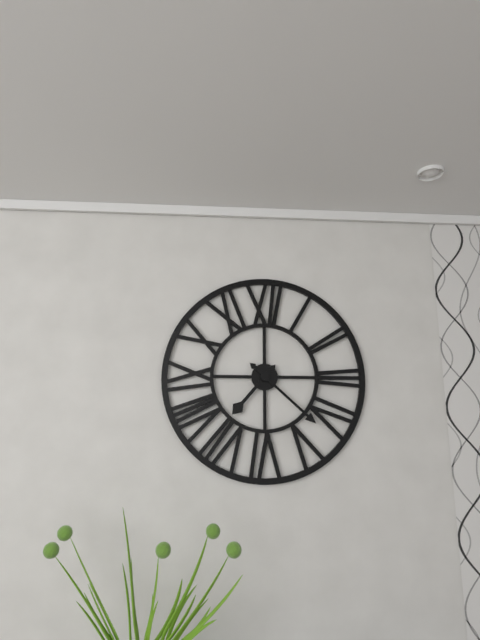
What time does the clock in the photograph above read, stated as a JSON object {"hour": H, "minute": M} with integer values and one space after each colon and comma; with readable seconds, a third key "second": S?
{"hour": 7, "minute": 22}
